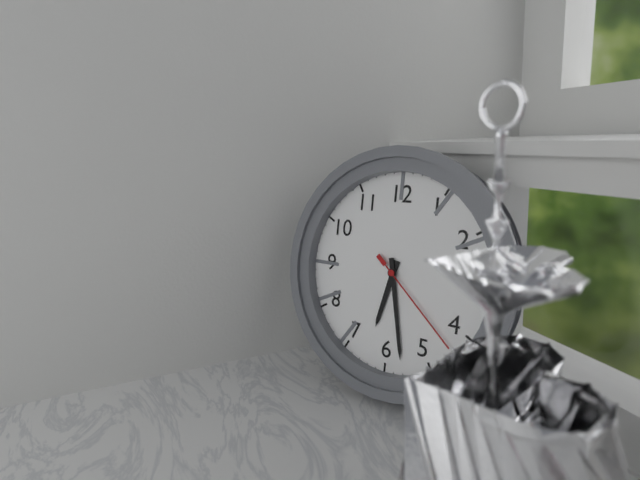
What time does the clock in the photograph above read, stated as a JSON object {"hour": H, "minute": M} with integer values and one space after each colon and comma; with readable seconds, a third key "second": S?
{"hour": 6, "minute": 28, "second": 22}
